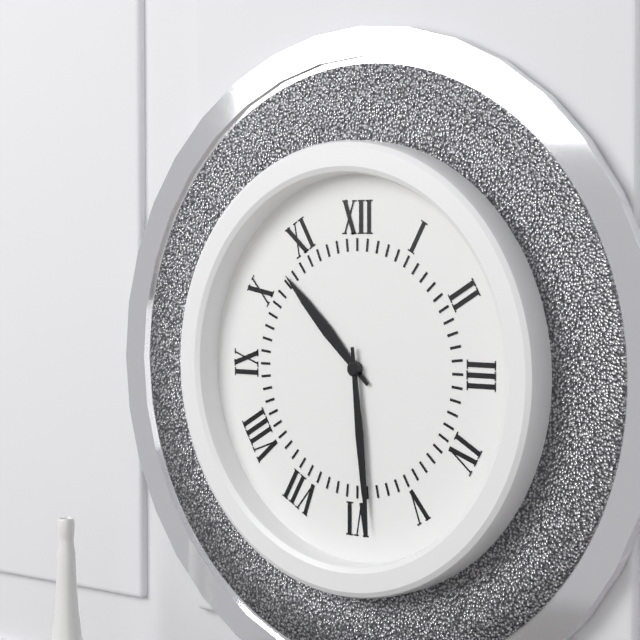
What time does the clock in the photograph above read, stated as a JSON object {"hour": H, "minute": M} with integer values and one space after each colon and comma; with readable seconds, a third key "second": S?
{"hour": 10, "minute": 29}
